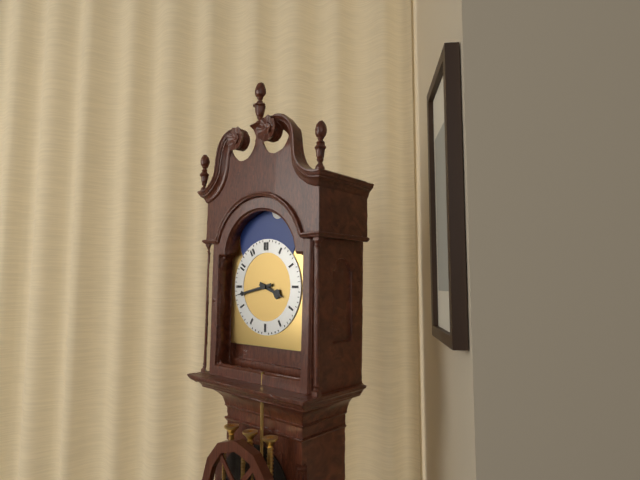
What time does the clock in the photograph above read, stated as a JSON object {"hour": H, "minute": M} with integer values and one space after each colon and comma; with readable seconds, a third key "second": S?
{"hour": 3, "minute": 43}
